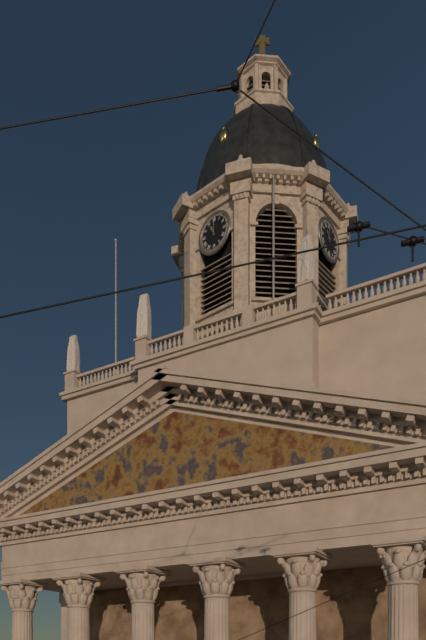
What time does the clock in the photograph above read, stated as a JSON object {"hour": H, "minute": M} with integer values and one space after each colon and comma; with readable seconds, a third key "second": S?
{"hour": 11, "minute": 0}
